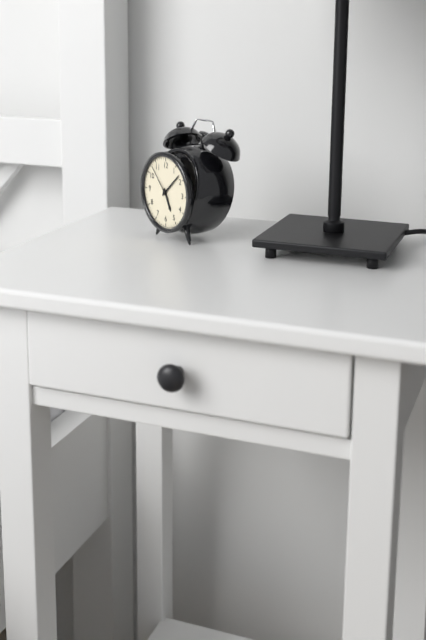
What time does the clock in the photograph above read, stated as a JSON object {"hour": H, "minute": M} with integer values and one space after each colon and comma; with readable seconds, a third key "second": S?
{"hour": 5, "minute": 8}
